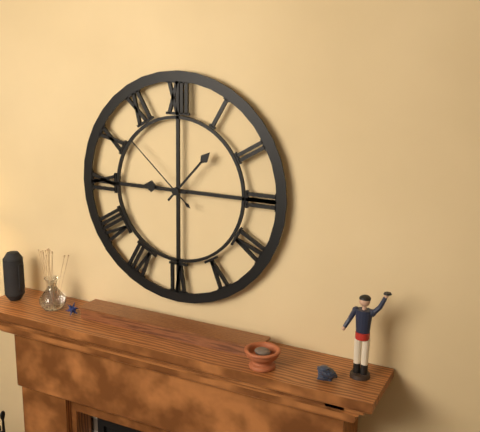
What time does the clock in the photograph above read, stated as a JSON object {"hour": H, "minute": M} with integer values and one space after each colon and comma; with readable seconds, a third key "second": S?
{"hour": 9, "minute": 7, "second": 52}
